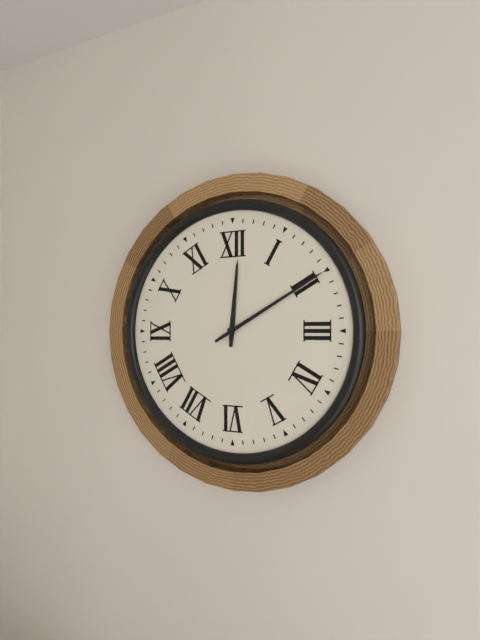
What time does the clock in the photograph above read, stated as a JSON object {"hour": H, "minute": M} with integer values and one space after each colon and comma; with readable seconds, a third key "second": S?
{"hour": 12, "minute": 10}
